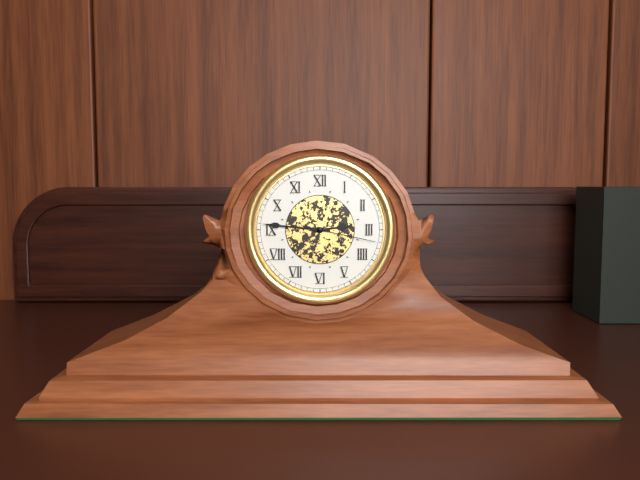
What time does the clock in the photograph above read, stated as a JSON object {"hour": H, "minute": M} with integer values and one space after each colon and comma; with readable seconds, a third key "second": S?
{"hour": 2, "minute": 46, "second": 17}
